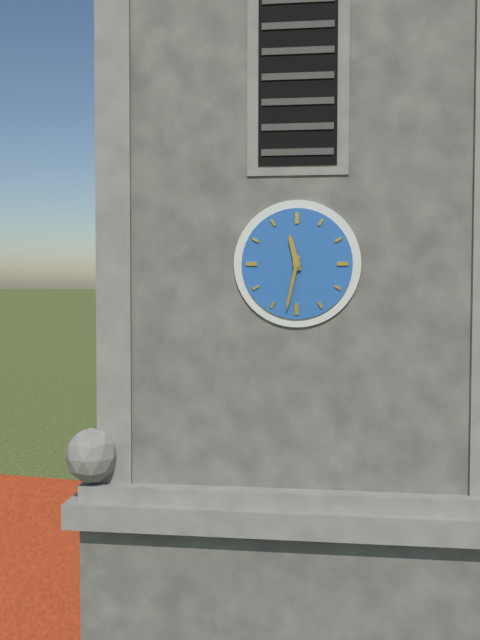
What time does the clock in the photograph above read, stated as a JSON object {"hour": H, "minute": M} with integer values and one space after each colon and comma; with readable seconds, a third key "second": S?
{"hour": 11, "minute": 32}
